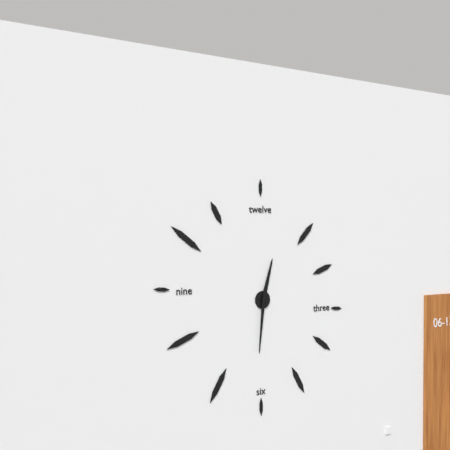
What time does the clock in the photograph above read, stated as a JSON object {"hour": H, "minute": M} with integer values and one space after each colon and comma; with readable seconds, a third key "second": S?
{"hour": 12, "minute": 31}
